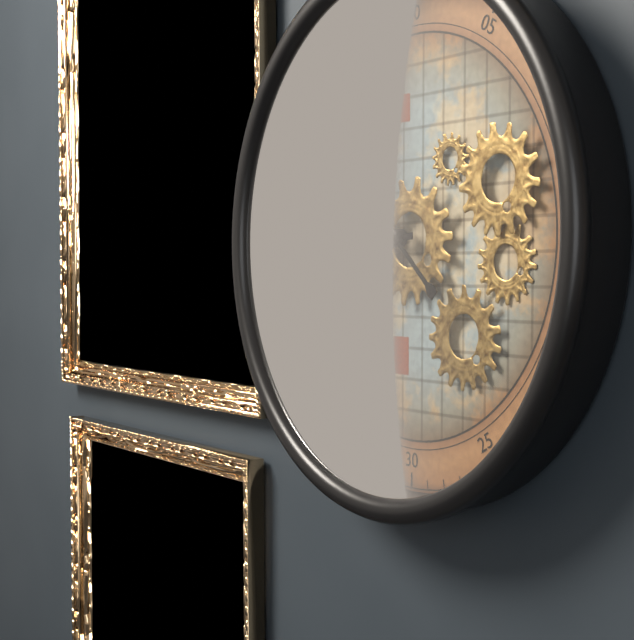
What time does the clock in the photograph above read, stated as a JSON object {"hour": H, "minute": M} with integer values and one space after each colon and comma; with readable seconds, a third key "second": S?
{"hour": 8, "minute": 52}
